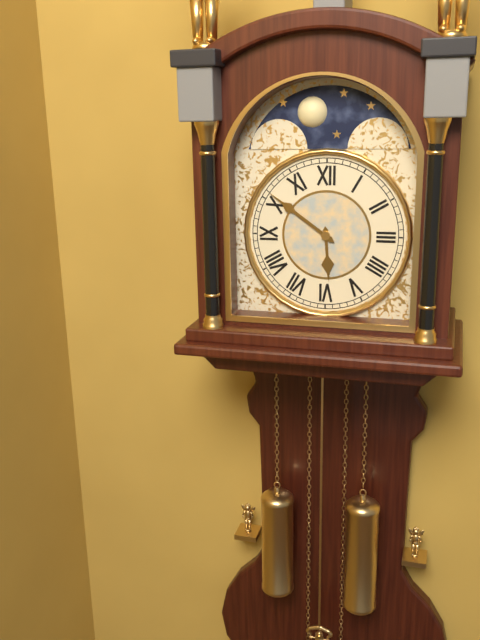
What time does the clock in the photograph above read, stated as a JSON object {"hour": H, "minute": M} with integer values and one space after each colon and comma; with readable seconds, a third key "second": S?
{"hour": 5, "minute": 51}
